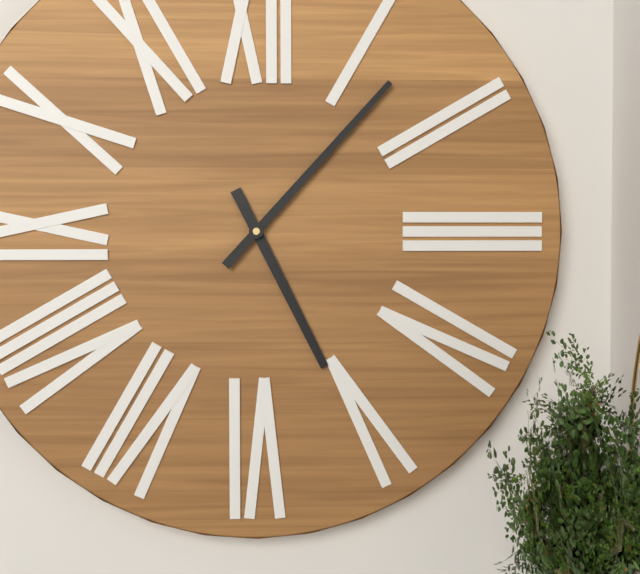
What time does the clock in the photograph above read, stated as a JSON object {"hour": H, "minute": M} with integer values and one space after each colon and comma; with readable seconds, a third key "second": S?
{"hour": 5, "minute": 7}
